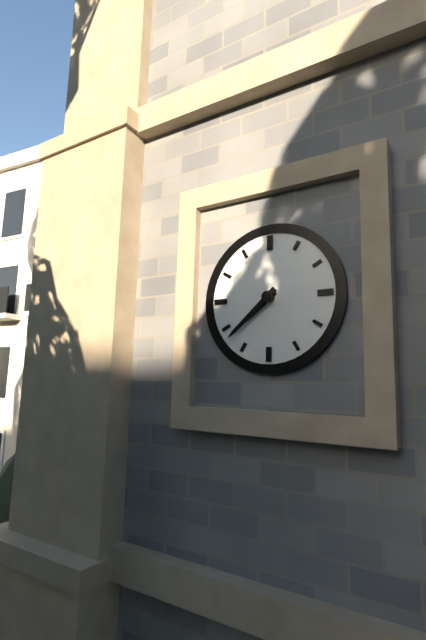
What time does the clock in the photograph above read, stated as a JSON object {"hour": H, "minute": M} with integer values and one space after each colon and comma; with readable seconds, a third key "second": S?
{"hour": 7, "minute": 38}
